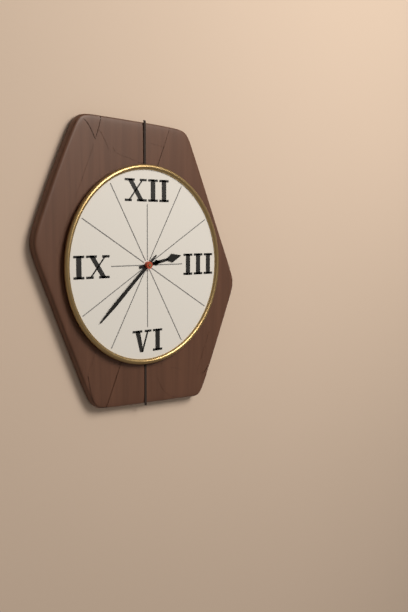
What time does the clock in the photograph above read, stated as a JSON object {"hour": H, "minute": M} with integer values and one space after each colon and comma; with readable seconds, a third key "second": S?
{"hour": 2, "minute": 38}
